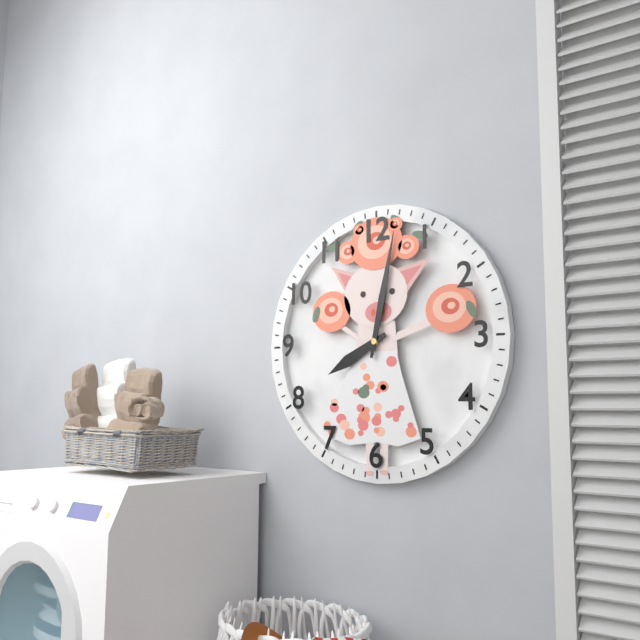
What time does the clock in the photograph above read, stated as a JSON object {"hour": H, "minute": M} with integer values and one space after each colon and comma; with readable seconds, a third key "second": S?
{"hour": 8, "minute": 2}
